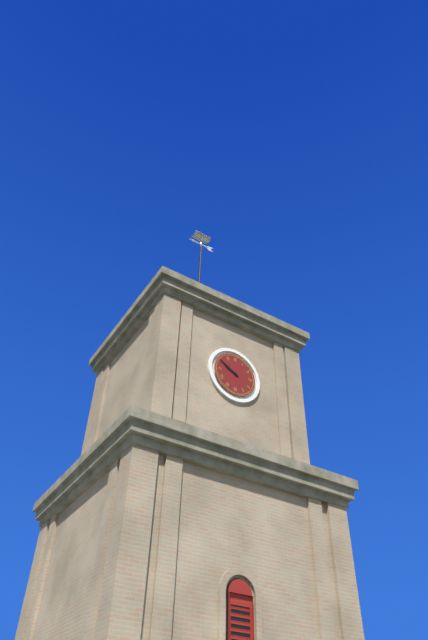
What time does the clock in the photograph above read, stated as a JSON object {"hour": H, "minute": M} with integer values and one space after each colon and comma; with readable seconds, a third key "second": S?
{"hour": 9, "minute": 50}
